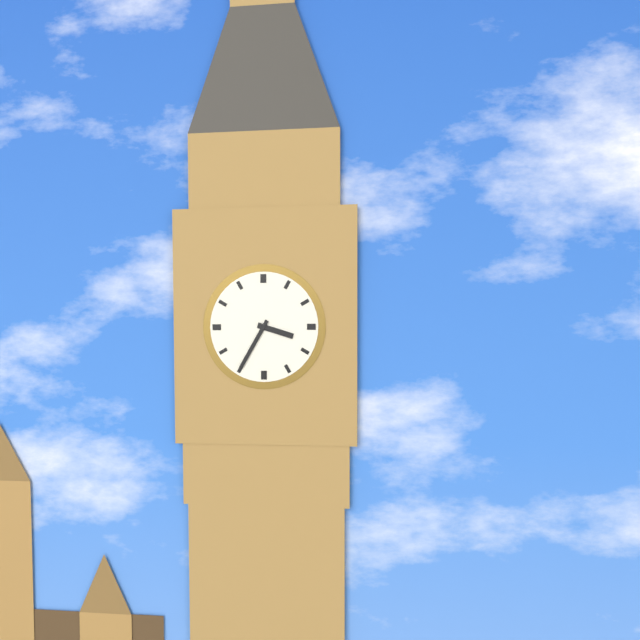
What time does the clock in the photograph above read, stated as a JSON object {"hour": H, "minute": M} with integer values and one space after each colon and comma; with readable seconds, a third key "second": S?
{"hour": 3, "minute": 35}
